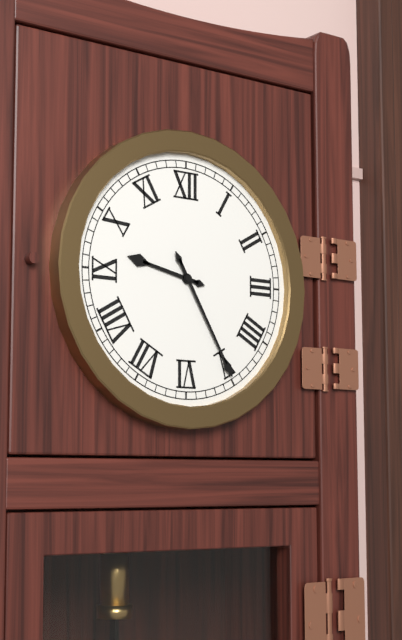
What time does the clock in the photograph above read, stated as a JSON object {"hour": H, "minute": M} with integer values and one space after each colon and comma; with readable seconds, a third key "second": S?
{"hour": 9, "minute": 25}
